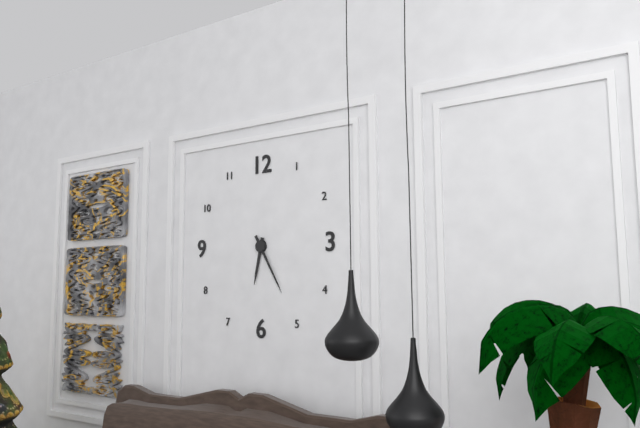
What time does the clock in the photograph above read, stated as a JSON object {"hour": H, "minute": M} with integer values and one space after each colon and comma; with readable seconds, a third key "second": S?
{"hour": 6, "minute": 25}
